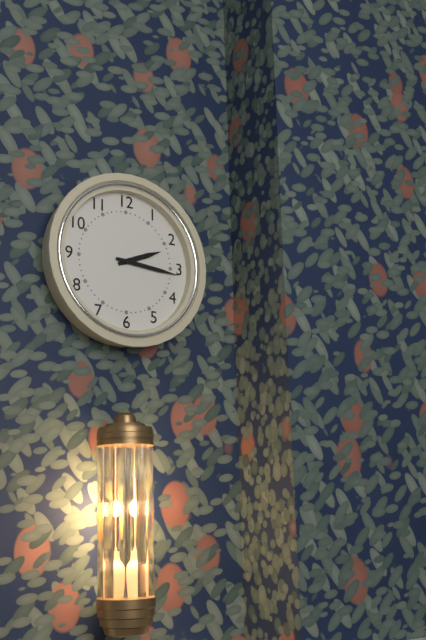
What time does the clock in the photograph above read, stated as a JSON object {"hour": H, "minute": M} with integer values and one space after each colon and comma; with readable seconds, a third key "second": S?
{"hour": 2, "minute": 16}
